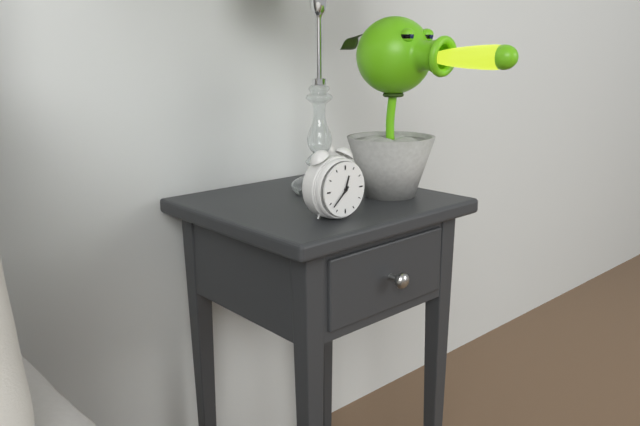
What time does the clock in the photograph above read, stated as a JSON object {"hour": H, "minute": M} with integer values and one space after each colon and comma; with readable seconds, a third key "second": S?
{"hour": 12, "minute": 38}
